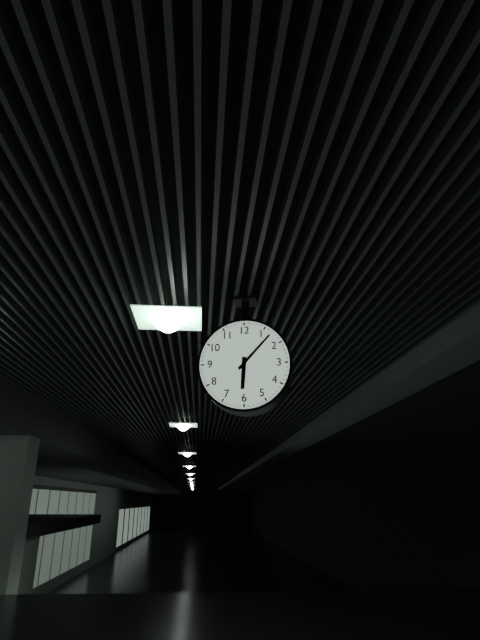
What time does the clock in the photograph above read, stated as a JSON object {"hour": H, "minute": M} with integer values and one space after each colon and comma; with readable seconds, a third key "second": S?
{"hour": 6, "minute": 7}
